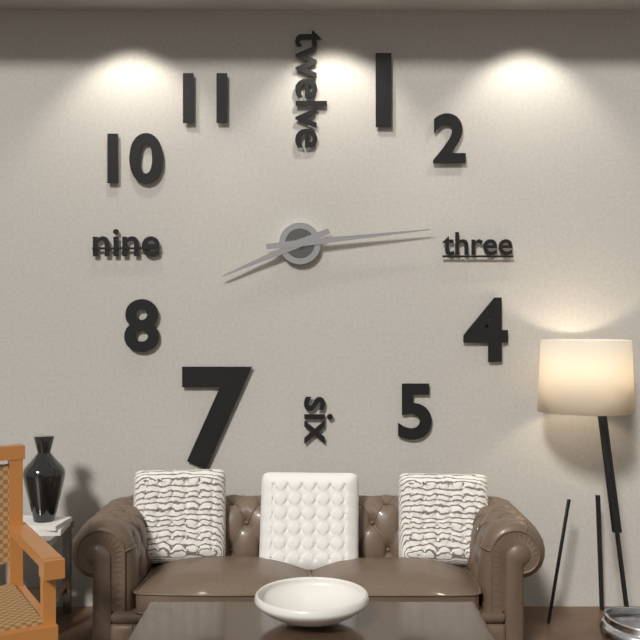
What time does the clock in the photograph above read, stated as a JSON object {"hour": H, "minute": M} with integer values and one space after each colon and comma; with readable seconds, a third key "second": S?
{"hour": 8, "minute": 14}
